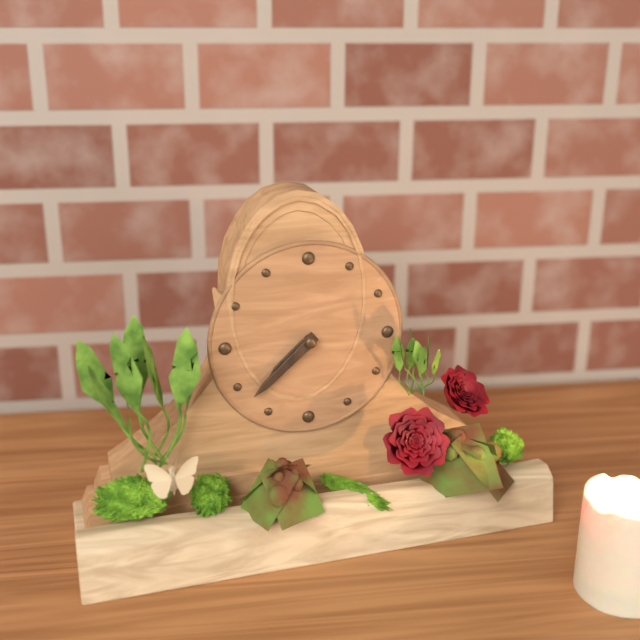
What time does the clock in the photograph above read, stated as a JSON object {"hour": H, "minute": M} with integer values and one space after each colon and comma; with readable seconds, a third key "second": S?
{"hour": 7, "minute": 38}
